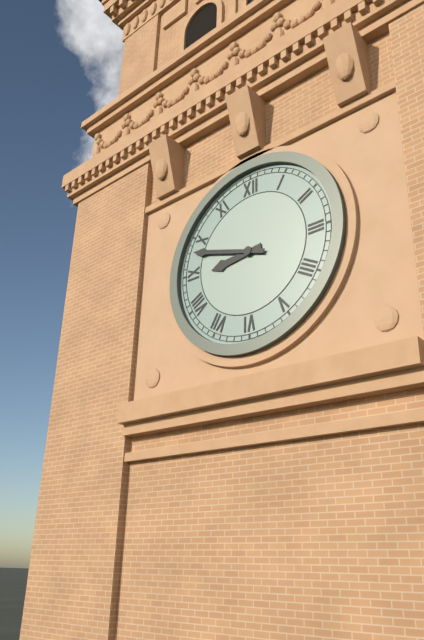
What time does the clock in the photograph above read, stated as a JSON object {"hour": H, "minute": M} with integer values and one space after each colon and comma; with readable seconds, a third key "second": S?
{"hour": 8, "minute": 48}
